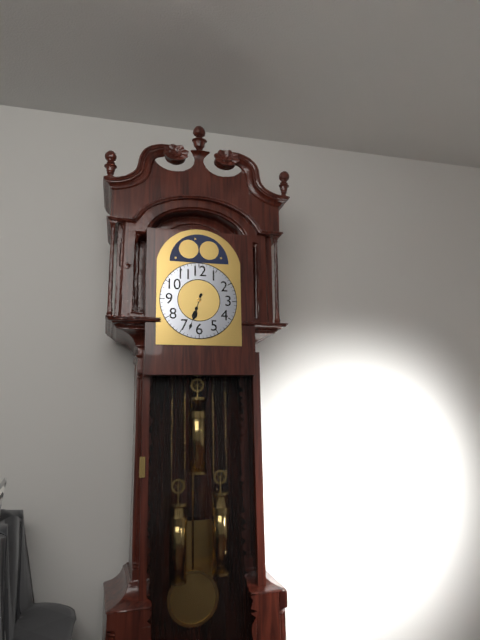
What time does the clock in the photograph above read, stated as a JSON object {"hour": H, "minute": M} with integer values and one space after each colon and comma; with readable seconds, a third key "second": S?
{"hour": 6, "minute": 33}
